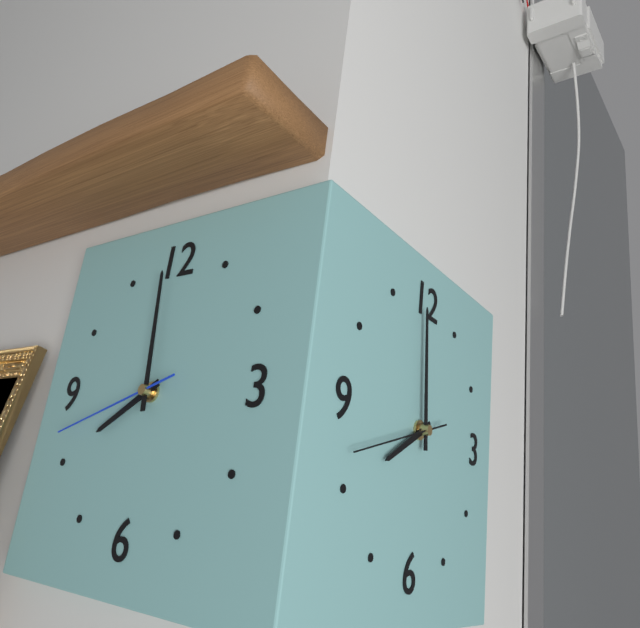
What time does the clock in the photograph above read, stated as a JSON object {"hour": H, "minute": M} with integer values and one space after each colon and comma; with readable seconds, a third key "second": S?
{"hour": 7, "minute": 59, "second": 42}
